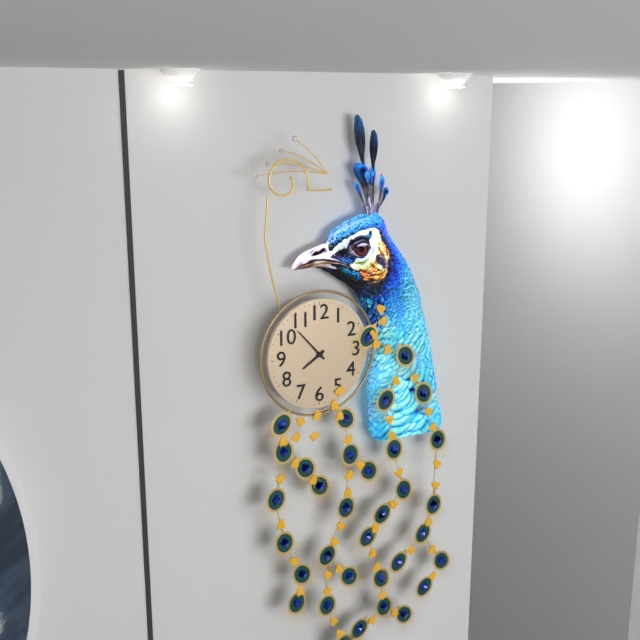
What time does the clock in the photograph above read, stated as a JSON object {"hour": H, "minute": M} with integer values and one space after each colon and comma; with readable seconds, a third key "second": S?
{"hour": 7, "minute": 53}
